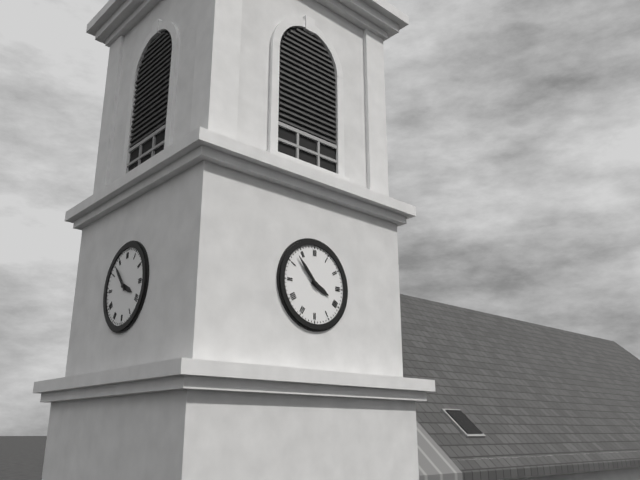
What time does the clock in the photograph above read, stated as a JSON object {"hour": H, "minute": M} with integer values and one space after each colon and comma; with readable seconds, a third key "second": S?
{"hour": 3, "minute": 53}
